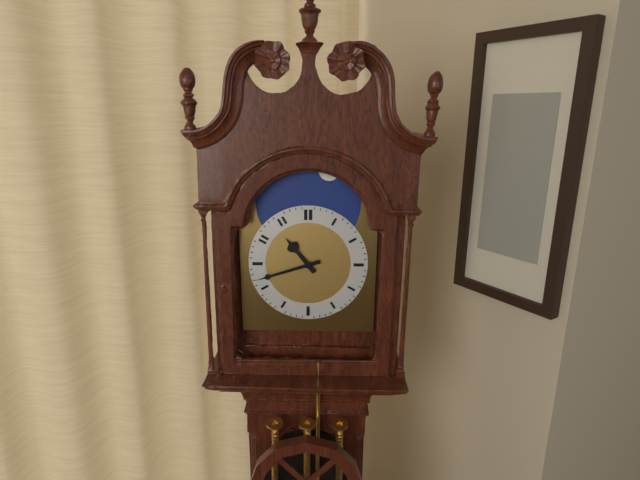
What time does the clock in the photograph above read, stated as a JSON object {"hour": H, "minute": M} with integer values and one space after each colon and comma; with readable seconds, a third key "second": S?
{"hour": 10, "minute": 42}
